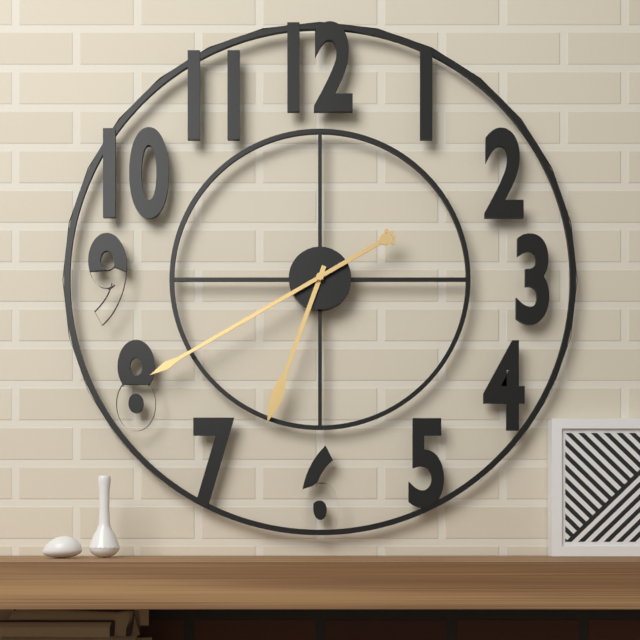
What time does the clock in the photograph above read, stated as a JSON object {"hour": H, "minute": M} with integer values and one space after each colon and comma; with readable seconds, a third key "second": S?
{"hour": 6, "minute": 40}
